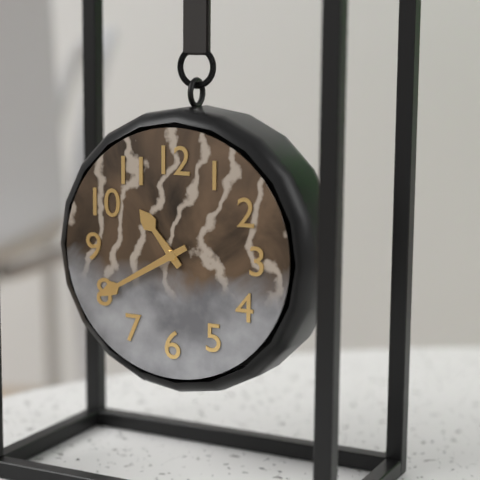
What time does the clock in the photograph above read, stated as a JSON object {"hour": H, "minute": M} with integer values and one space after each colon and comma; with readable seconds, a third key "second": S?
{"hour": 10, "minute": 40}
